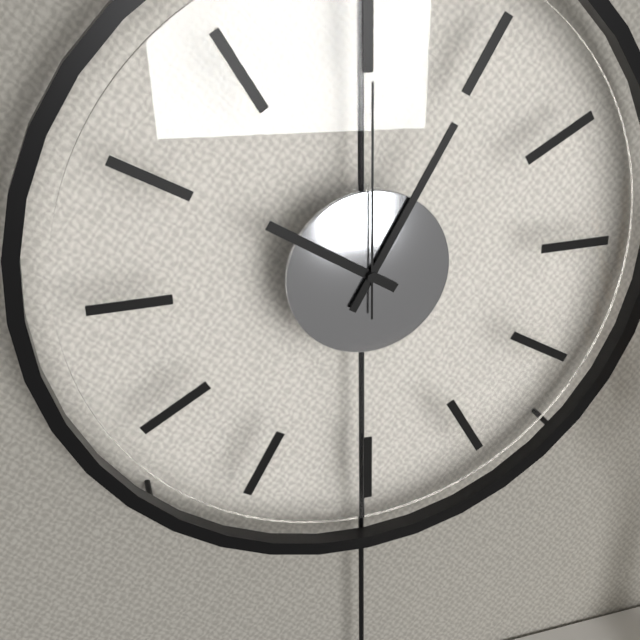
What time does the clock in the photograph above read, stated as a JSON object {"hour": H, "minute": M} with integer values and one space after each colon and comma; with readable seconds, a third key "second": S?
{"hour": 10, "minute": 5, "second": 0}
